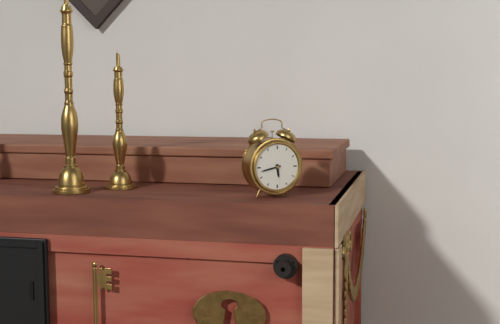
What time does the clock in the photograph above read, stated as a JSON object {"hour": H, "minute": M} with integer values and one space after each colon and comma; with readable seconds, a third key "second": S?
{"hour": 5, "minute": 43}
